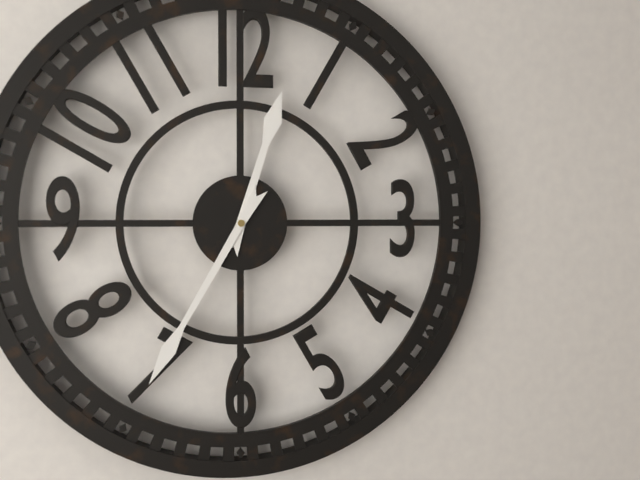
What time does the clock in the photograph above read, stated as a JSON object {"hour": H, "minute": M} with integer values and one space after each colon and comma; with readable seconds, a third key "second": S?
{"hour": 12, "minute": 35}
